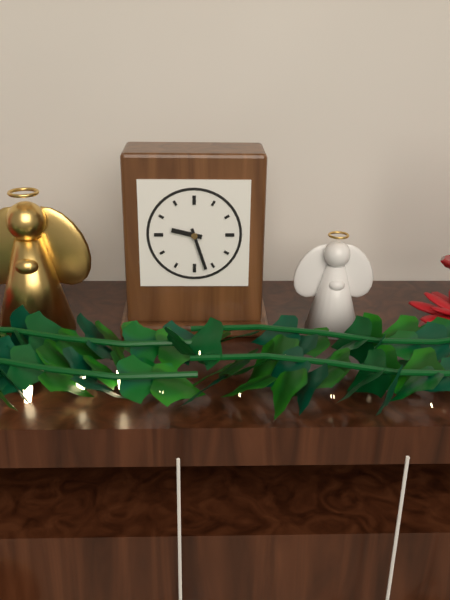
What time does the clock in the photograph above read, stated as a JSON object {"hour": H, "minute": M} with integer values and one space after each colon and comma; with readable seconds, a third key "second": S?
{"hour": 9, "minute": 27}
